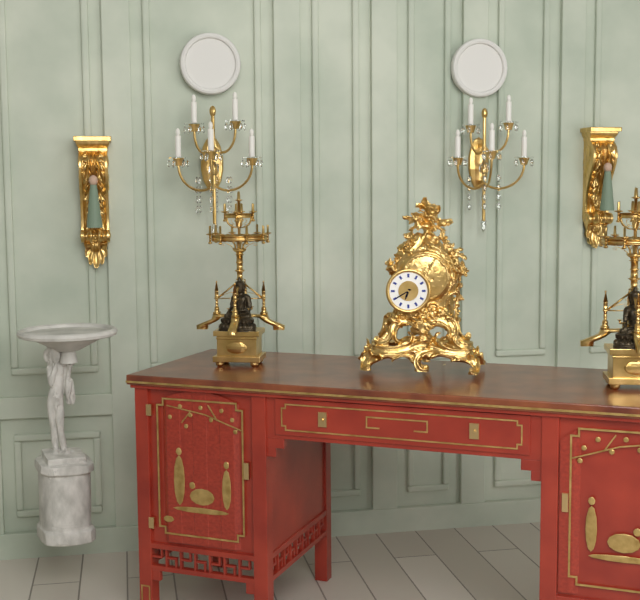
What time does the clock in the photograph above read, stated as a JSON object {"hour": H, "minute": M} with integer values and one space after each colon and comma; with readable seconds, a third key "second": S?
{"hour": 6, "minute": 40}
